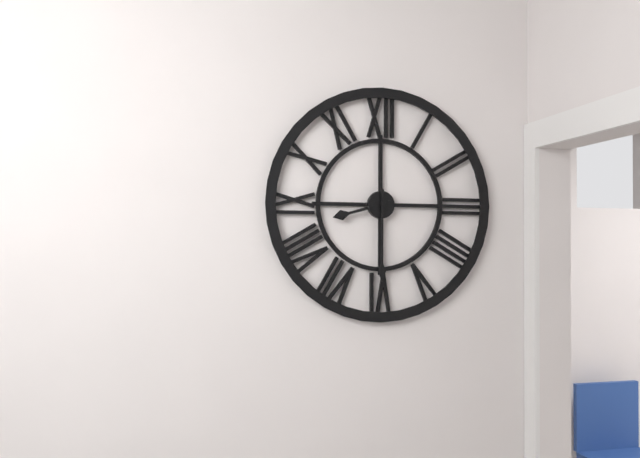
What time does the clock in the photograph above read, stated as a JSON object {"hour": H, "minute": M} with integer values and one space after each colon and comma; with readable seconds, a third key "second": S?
{"hour": 8, "minute": 30}
